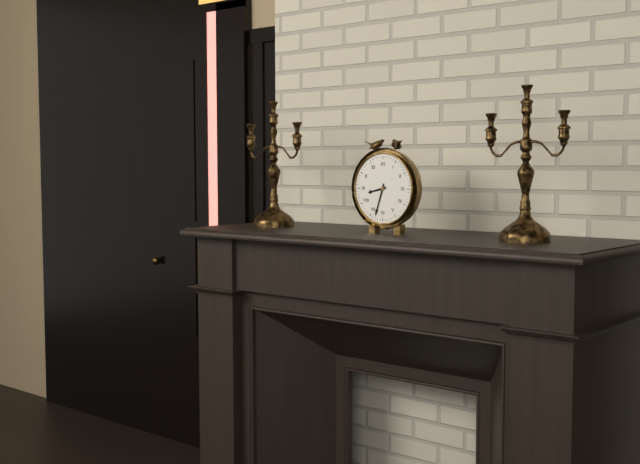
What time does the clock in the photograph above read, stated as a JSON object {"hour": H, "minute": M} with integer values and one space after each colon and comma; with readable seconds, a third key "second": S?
{"hour": 8, "minute": 33}
